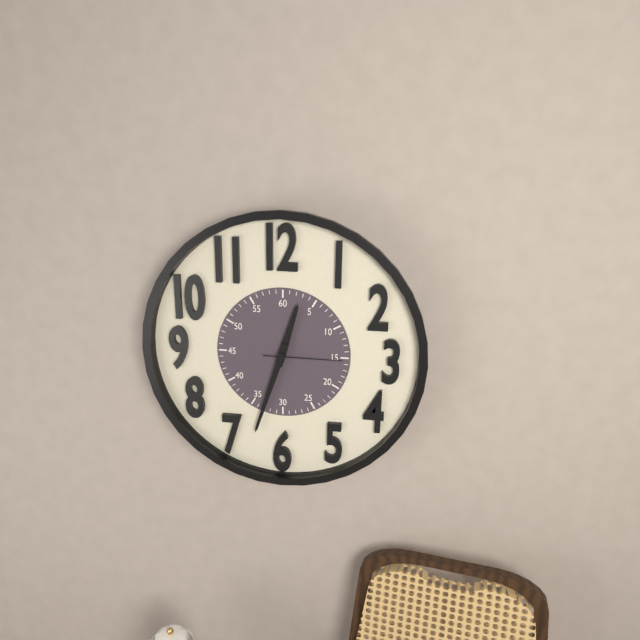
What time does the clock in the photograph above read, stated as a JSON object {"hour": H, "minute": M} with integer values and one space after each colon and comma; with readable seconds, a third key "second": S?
{"hour": 12, "minute": 33, "second": 15}
